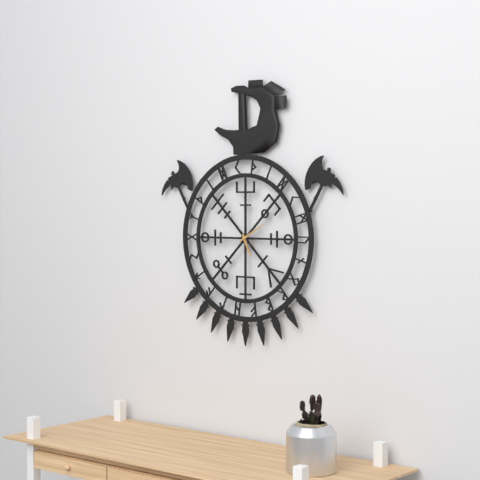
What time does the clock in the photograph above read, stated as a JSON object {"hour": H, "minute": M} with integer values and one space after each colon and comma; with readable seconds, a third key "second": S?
{"hour": 5, "minute": 10}
